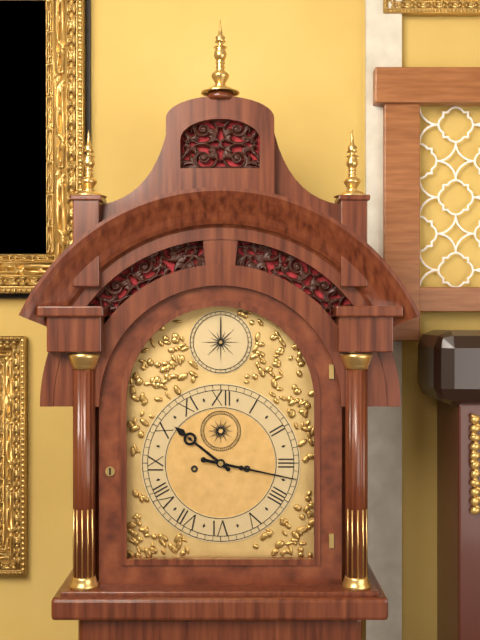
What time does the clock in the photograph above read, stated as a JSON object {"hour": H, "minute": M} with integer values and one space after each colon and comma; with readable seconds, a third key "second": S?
{"hour": 10, "minute": 17}
